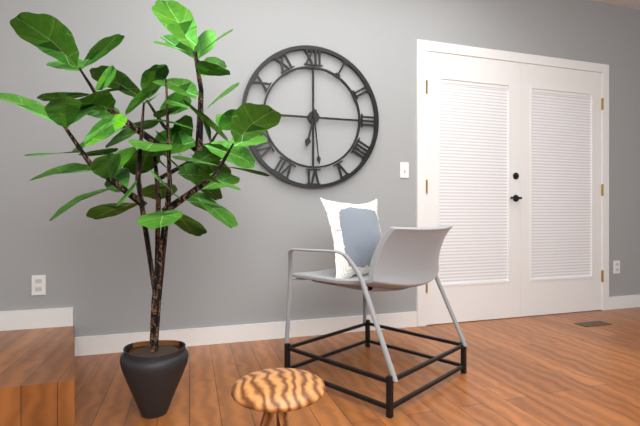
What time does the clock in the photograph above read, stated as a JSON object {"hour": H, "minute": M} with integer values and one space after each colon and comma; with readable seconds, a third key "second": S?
{"hour": 6, "minute": 29}
